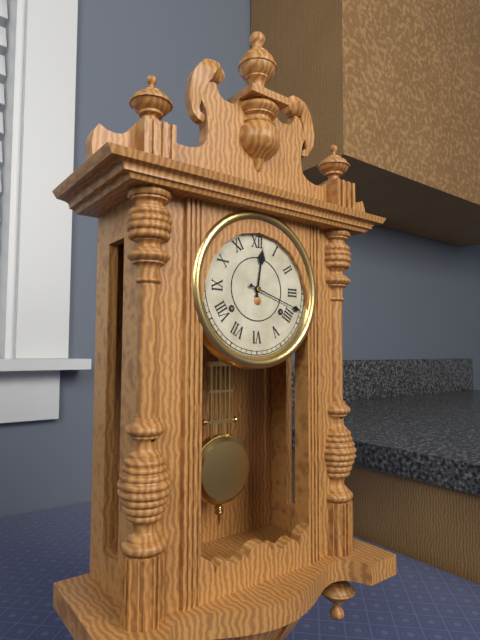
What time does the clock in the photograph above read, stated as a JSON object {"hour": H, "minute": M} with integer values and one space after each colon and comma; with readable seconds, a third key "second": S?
{"hour": 12, "minute": 18}
